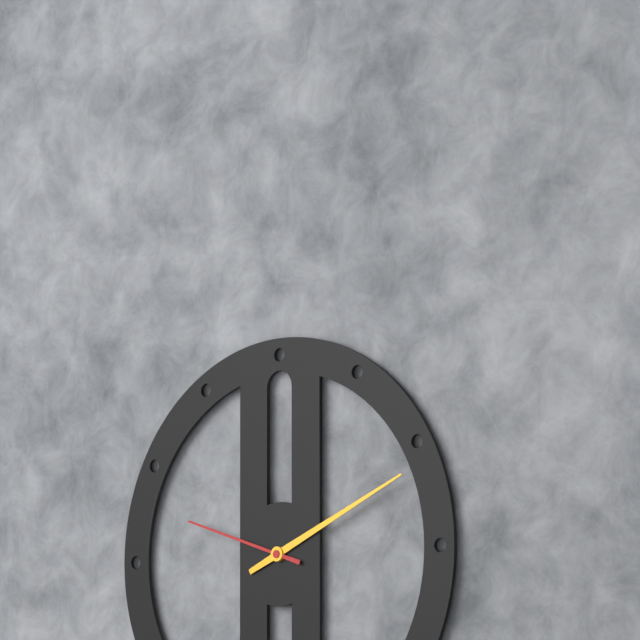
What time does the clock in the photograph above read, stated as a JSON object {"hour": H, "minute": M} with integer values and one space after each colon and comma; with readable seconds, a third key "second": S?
{"hour": 2, "minute": 11, "second": 48}
